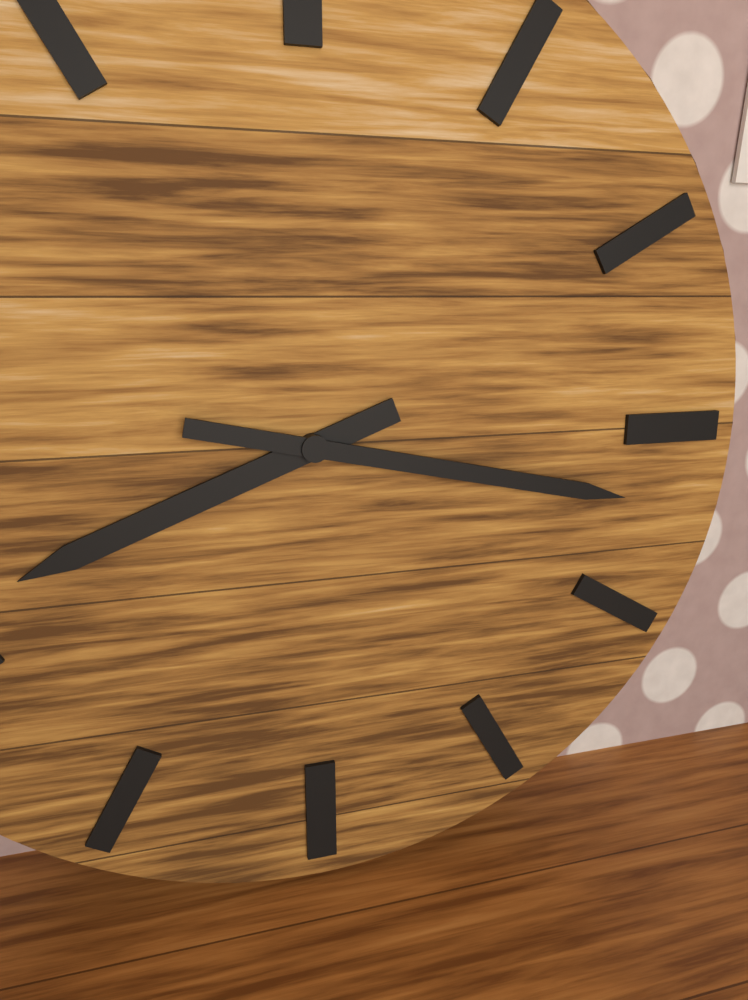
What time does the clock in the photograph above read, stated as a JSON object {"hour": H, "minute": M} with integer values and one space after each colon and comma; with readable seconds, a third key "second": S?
{"hour": 8, "minute": 17}
